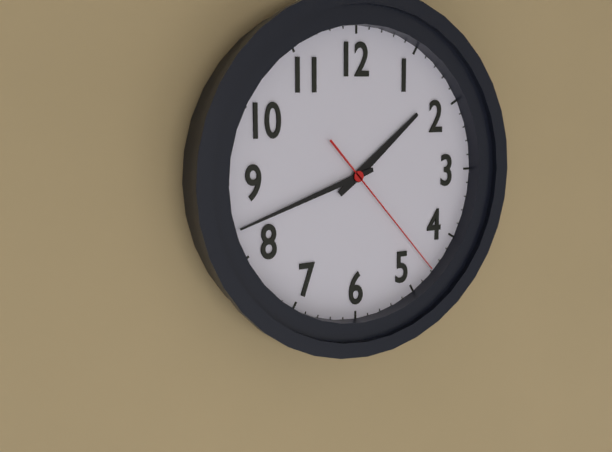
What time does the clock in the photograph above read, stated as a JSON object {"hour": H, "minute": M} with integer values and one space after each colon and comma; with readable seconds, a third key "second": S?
{"hour": 1, "minute": 42, "second": 23}
